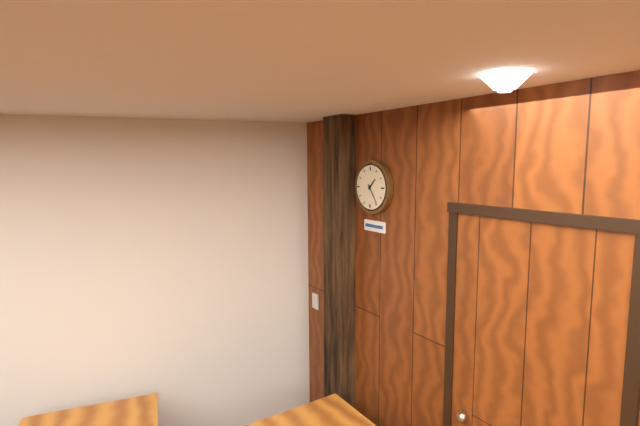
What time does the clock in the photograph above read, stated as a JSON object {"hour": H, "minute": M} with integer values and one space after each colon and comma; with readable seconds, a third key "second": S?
{"hour": 1, "minute": 24}
